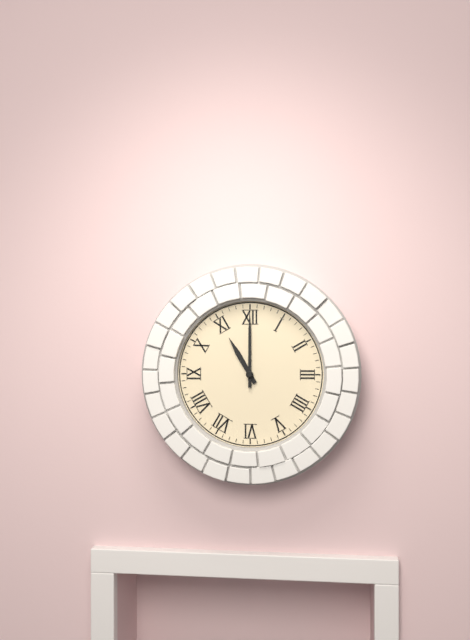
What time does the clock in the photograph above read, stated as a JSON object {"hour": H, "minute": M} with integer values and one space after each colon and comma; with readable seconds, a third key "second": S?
{"hour": 11, "minute": 0}
